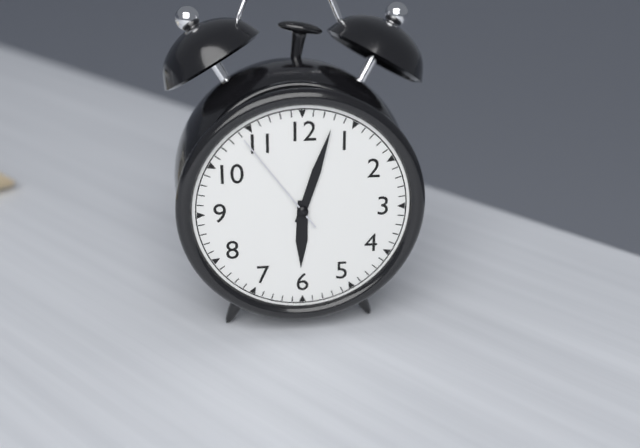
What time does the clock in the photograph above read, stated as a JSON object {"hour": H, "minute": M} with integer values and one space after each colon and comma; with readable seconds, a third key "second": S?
{"hour": 6, "minute": 3, "second": 54}
